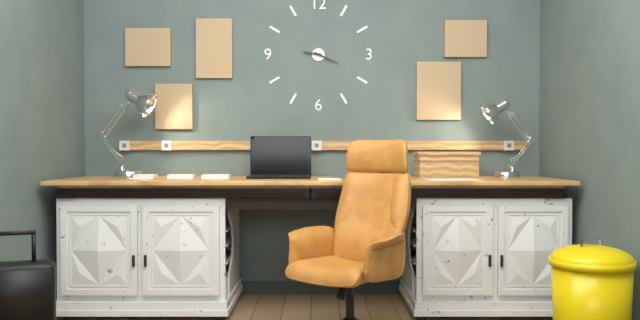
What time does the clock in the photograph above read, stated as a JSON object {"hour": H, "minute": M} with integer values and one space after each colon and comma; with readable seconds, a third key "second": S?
{"hour": 9, "minute": 19}
